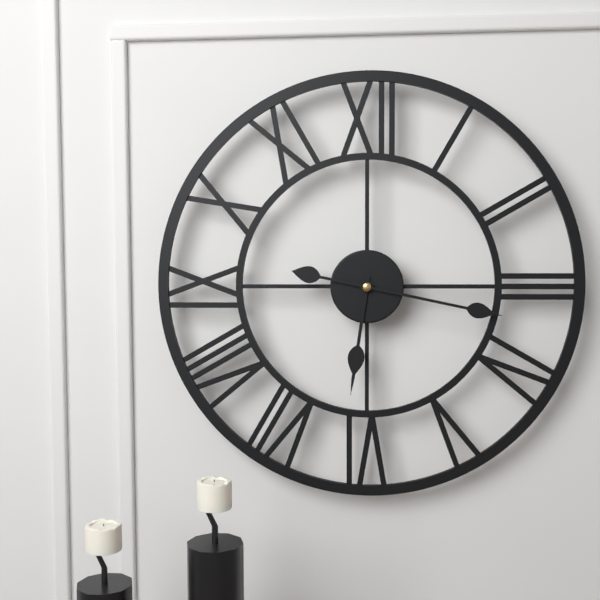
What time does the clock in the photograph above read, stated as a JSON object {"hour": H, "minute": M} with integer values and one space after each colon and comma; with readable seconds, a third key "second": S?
{"hour": 6, "minute": 17}
